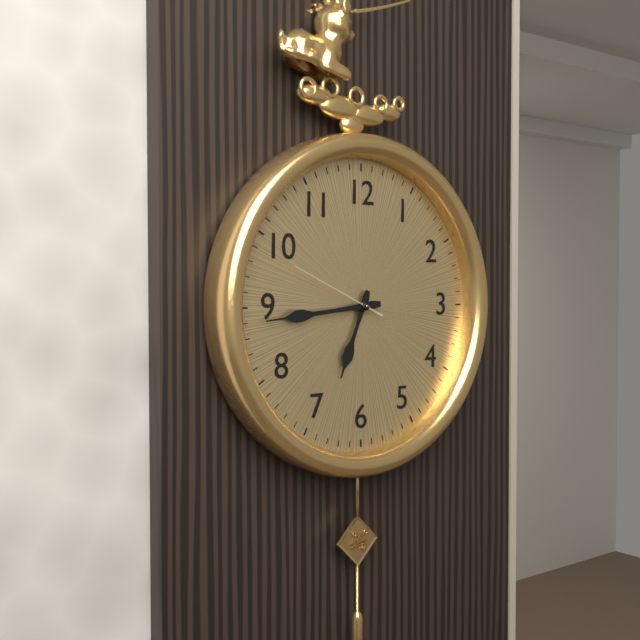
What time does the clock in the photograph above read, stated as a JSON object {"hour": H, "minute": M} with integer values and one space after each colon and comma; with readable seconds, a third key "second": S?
{"hour": 6, "minute": 44, "second": 49}
